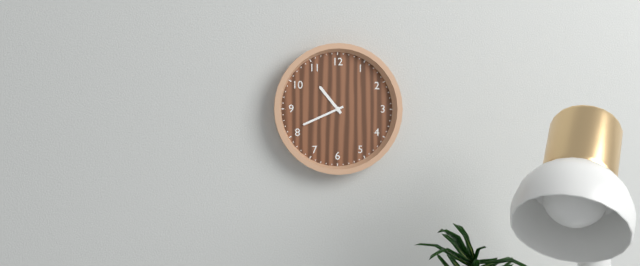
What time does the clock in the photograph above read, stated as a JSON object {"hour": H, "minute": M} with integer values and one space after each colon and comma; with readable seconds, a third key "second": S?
{"hour": 10, "minute": 41}
